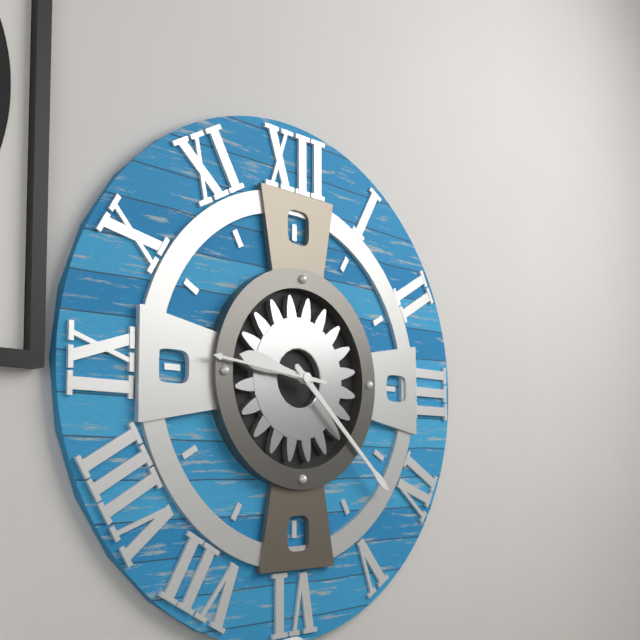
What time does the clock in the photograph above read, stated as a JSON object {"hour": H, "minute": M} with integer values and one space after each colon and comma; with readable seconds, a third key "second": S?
{"hour": 9, "minute": 22, "second": 46}
